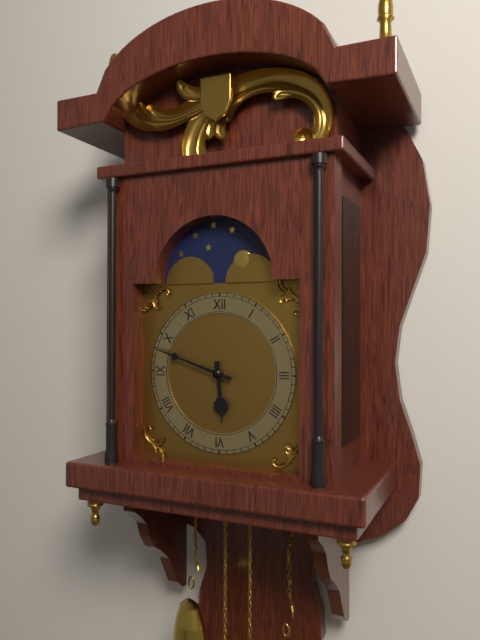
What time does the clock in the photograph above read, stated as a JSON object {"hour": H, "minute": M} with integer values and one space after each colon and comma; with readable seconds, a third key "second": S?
{"hour": 5, "minute": 48}
